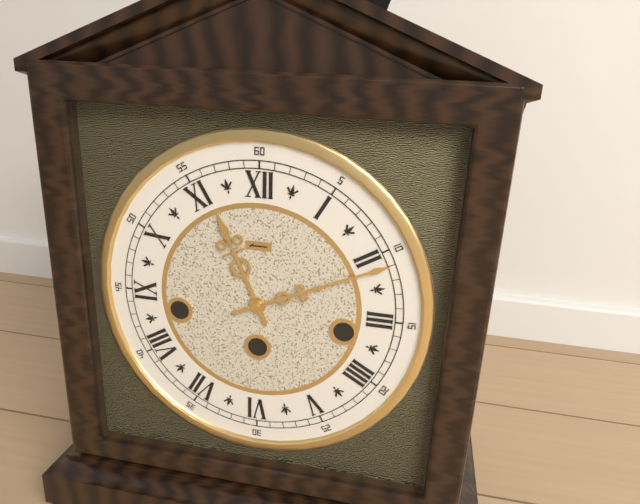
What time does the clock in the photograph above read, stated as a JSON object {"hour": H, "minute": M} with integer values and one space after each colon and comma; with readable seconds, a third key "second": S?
{"hour": 11, "minute": 11}
